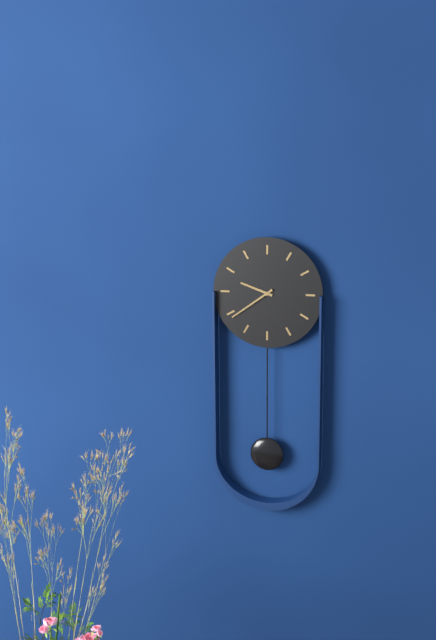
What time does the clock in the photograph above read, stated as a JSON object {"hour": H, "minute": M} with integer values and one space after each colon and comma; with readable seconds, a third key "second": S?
{"hour": 9, "minute": 39}
